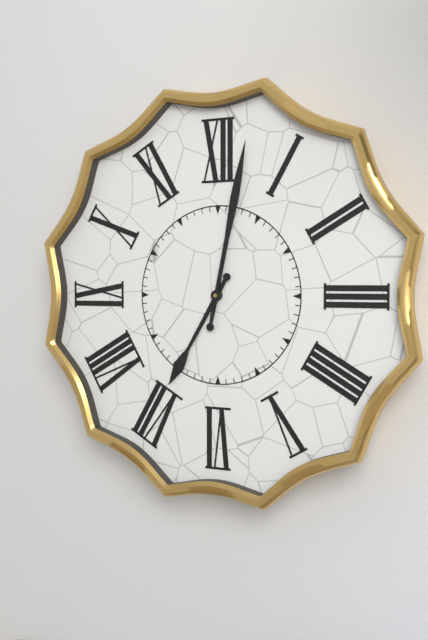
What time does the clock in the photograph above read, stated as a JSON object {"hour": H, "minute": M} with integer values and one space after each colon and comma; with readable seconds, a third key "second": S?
{"hour": 7, "minute": 2}
